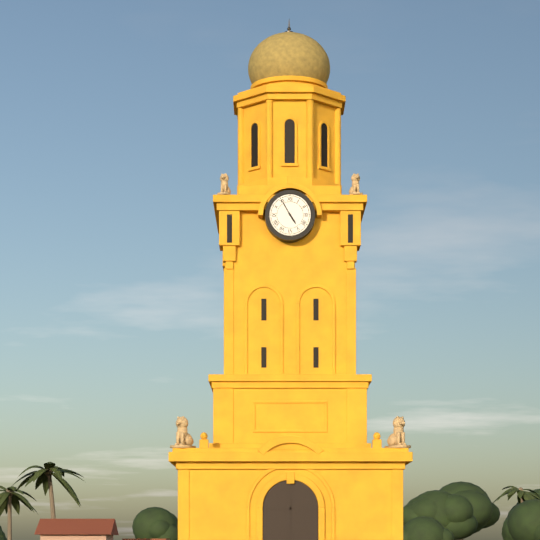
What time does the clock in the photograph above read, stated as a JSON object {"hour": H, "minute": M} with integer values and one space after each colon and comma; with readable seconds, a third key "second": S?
{"hour": 4, "minute": 55}
